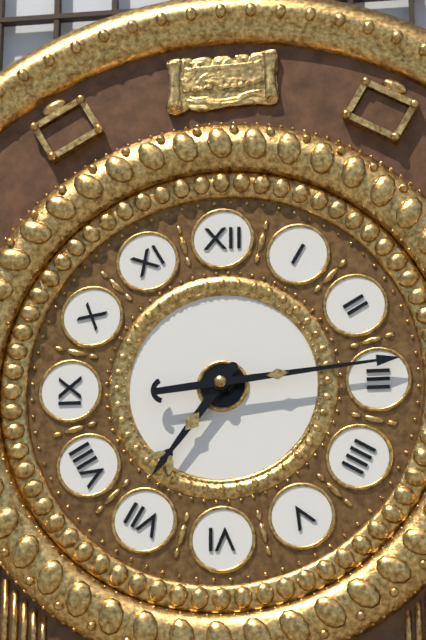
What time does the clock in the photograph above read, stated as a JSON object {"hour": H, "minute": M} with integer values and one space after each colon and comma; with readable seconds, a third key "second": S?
{"hour": 7, "minute": 14}
